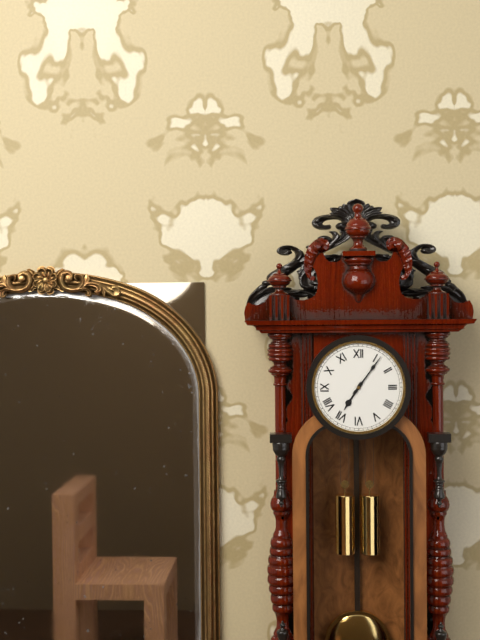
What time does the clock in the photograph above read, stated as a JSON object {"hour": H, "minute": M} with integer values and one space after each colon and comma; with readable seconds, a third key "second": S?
{"hour": 7, "minute": 6}
